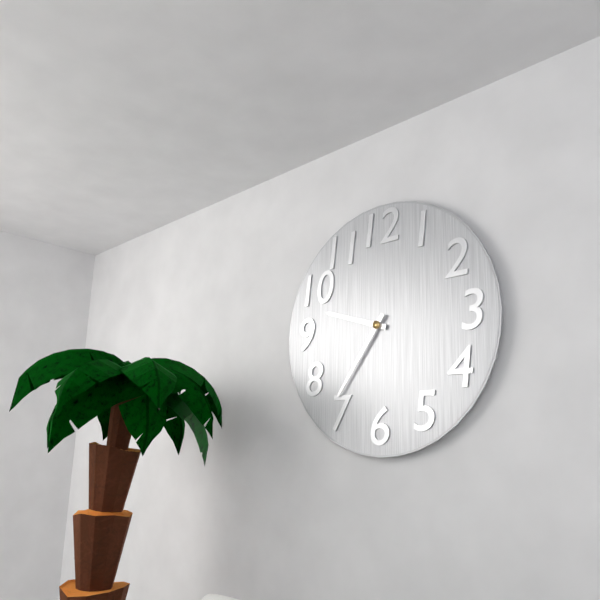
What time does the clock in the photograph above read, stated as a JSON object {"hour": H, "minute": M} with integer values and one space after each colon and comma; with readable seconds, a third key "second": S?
{"hour": 9, "minute": 36}
